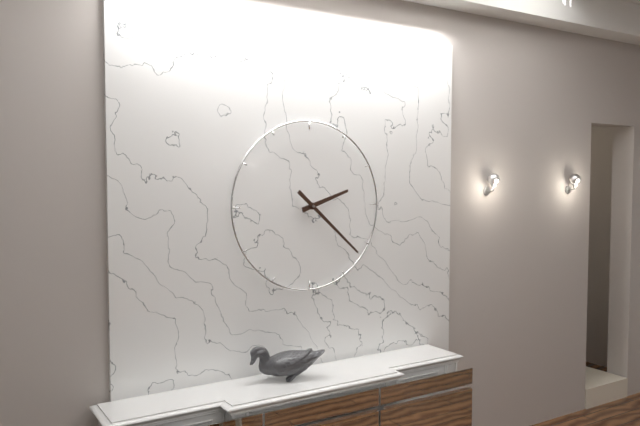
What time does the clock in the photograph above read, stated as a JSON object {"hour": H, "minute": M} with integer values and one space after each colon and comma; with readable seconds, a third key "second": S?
{"hour": 2, "minute": 22}
